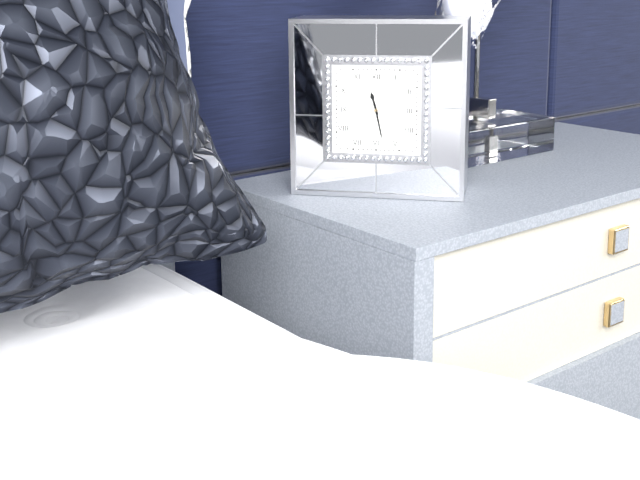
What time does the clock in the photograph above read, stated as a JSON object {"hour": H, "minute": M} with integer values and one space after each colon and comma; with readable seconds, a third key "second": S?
{"hour": 11, "minute": 28}
